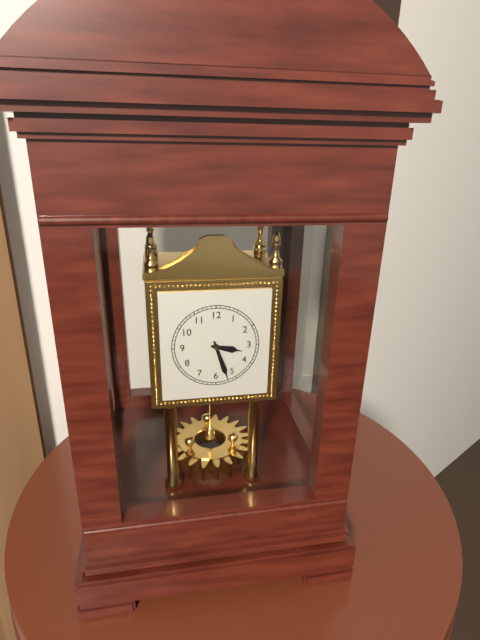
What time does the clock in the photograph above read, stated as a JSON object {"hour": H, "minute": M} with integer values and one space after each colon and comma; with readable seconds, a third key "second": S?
{"hour": 3, "minute": 27}
